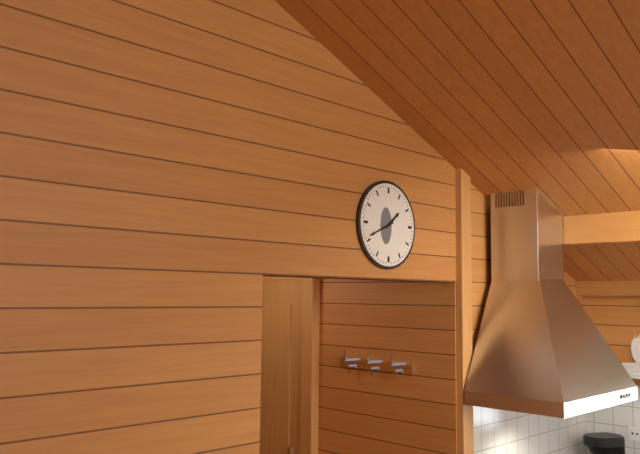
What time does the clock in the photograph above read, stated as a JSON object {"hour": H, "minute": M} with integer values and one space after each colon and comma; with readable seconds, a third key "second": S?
{"hour": 1, "minute": 41}
